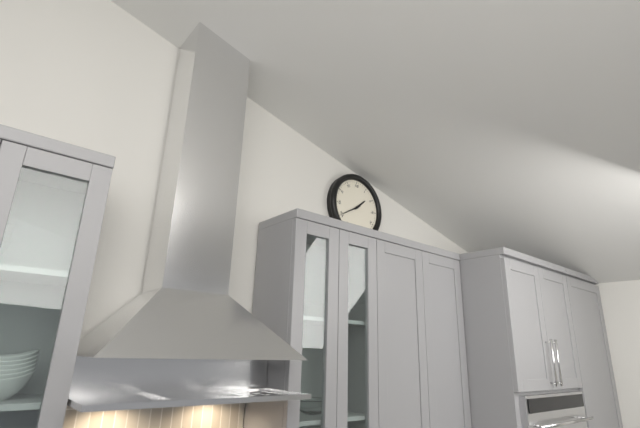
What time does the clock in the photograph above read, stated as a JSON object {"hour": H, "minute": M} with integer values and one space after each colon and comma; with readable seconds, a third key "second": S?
{"hour": 1, "minute": 40}
